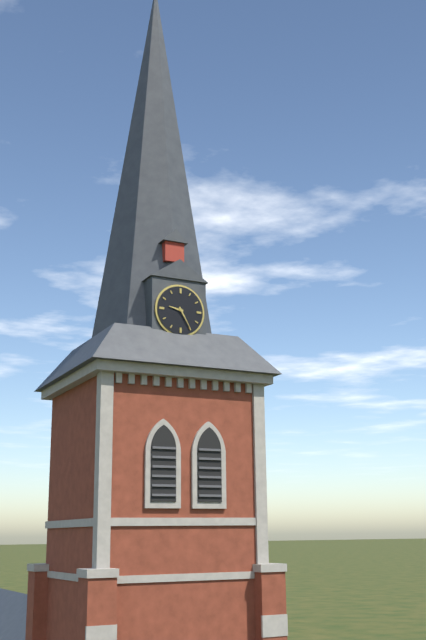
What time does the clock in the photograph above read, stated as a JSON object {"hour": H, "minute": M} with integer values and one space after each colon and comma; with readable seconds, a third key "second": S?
{"hour": 9, "minute": 25}
